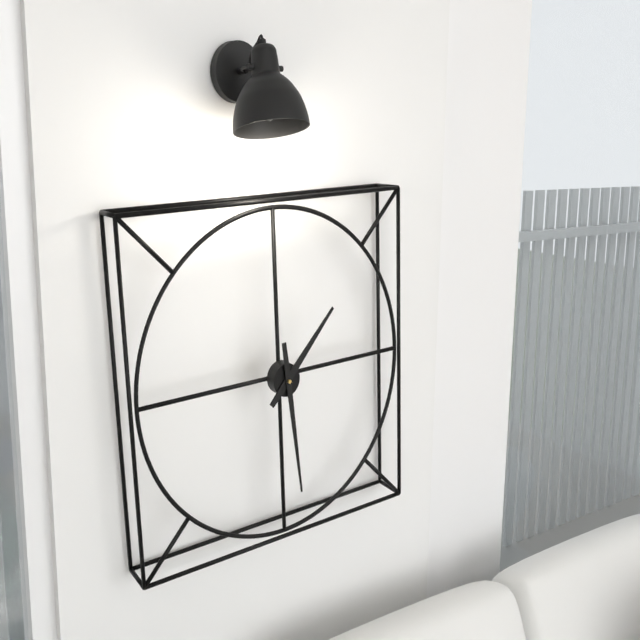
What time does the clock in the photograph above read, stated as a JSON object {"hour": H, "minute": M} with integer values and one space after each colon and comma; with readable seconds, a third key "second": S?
{"hour": 1, "minute": 29}
